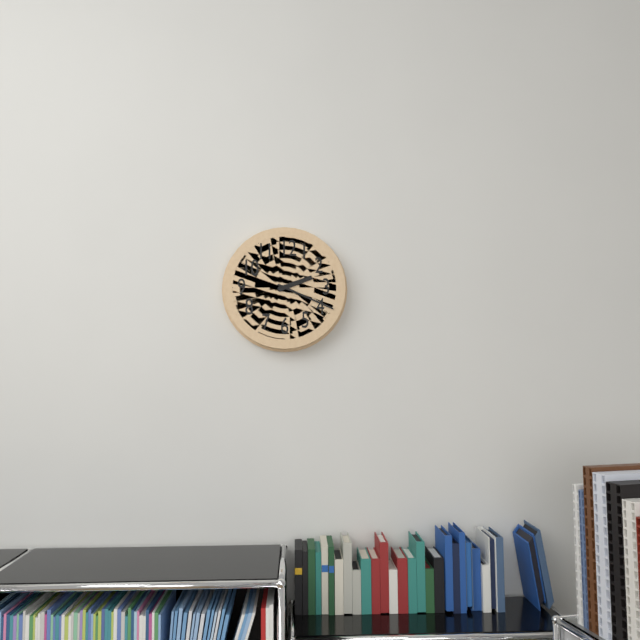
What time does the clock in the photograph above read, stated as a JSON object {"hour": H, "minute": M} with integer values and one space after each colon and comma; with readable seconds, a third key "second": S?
{"hour": 2, "minute": 19}
